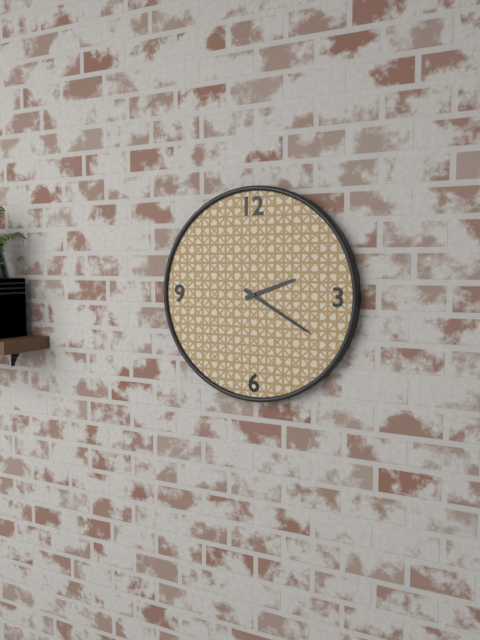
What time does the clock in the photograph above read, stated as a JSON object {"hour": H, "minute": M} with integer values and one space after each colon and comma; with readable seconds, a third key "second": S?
{"hour": 2, "minute": 20}
